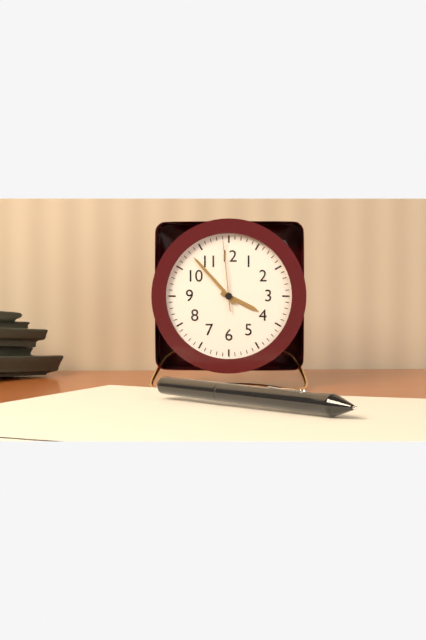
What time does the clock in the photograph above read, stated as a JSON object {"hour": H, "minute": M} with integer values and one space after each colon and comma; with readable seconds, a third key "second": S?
{"hour": 3, "minute": 53, "second": 59}
